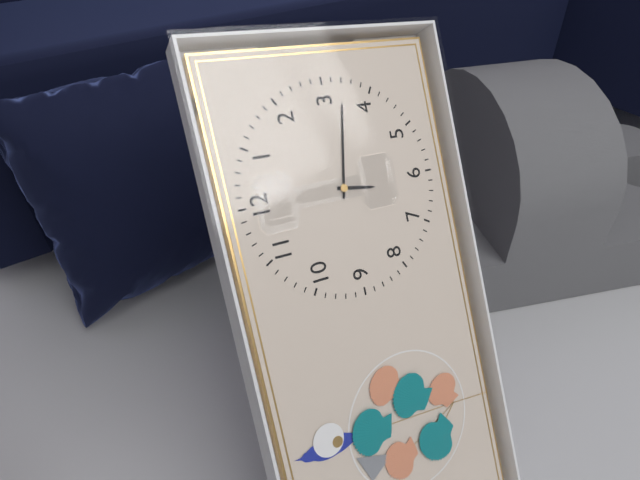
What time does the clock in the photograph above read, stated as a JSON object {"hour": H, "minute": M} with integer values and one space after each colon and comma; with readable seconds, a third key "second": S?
{"hour": 6, "minute": 17}
